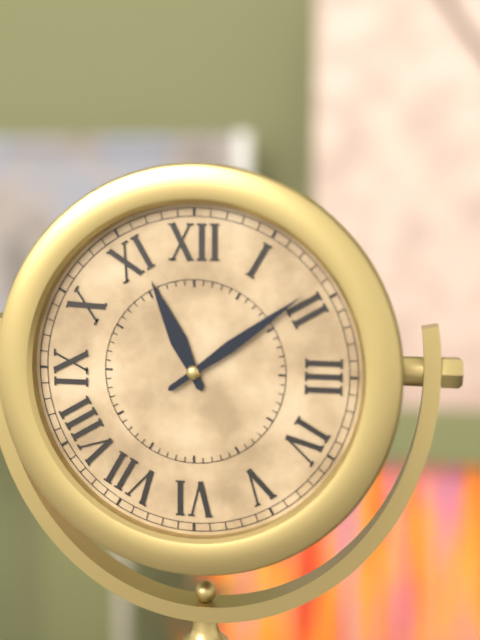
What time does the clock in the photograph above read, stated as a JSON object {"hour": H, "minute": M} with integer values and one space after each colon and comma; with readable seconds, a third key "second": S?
{"hour": 11, "minute": 9}
